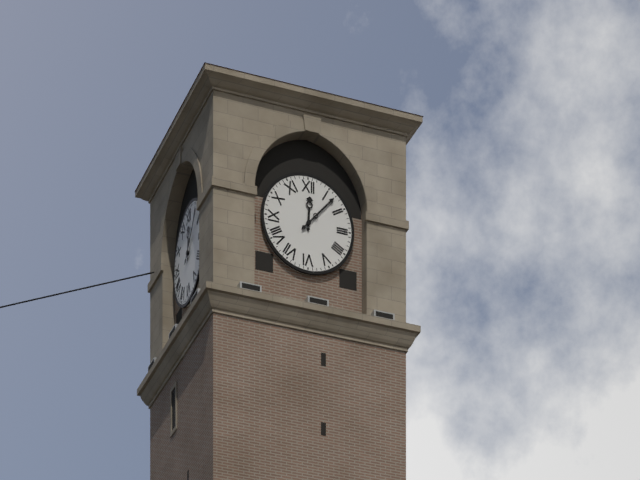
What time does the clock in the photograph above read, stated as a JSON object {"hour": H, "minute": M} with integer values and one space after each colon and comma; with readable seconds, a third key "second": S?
{"hour": 12, "minute": 7}
